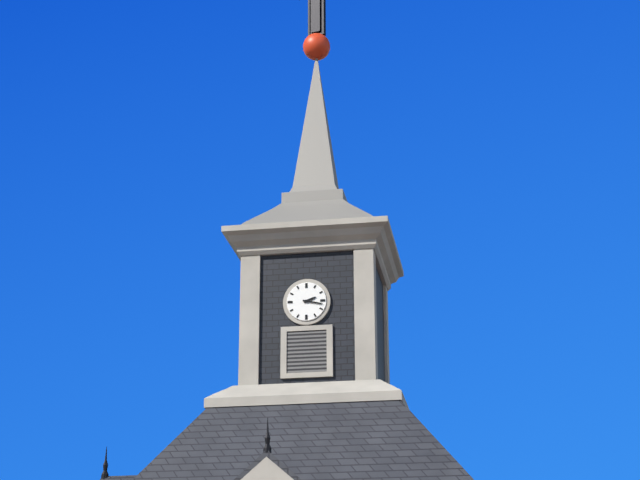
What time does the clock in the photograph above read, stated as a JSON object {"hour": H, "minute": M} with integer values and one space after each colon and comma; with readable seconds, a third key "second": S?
{"hour": 2, "minute": 17}
